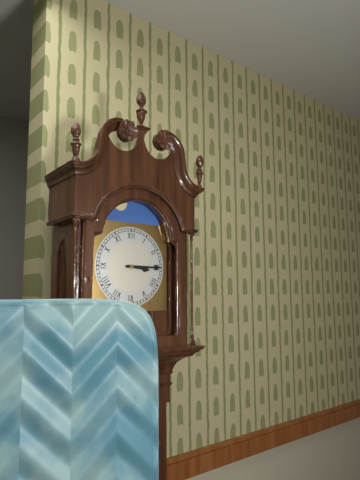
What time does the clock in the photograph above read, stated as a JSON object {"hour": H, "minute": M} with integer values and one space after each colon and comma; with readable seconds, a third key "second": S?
{"hour": 3, "minute": 15}
